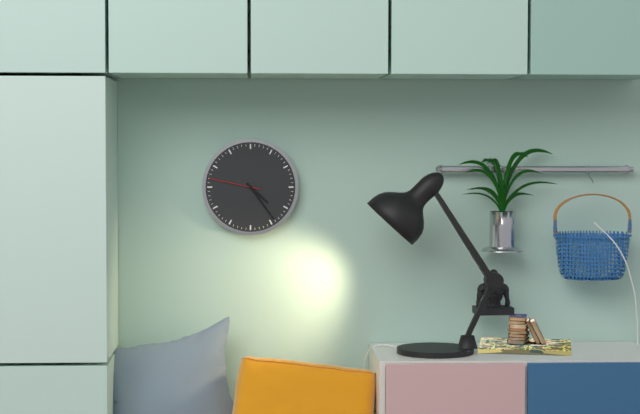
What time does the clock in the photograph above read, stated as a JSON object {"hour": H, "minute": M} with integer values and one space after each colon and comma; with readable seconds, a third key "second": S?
{"hour": 4, "minute": 24, "second": 47}
